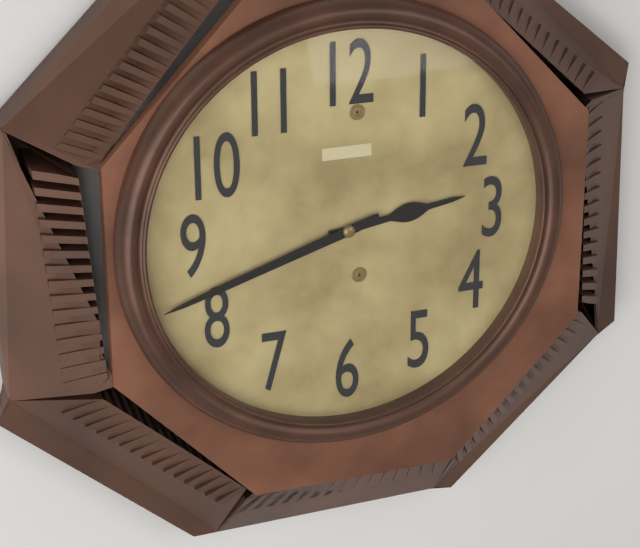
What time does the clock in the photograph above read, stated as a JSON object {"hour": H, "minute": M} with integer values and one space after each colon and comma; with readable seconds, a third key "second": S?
{"hour": 2, "minute": 42}
